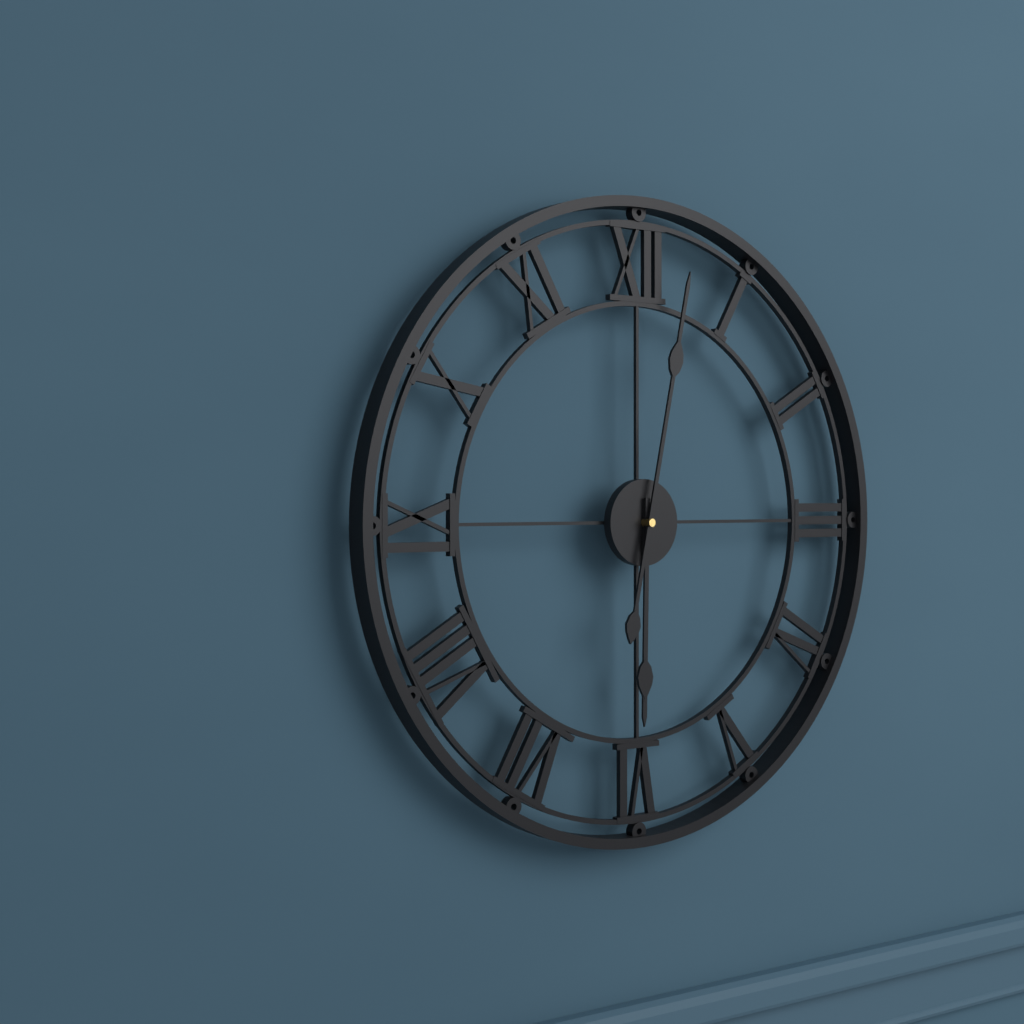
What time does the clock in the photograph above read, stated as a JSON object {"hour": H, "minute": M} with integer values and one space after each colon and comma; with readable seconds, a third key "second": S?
{"hour": 6, "minute": 2}
